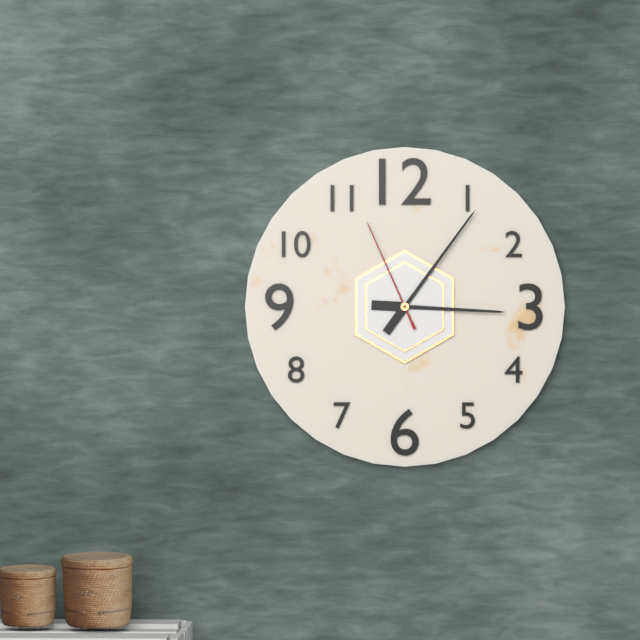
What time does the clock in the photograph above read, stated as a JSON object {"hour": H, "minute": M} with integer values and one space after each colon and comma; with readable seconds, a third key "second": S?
{"hour": 3, "minute": 6, "second": 56}
